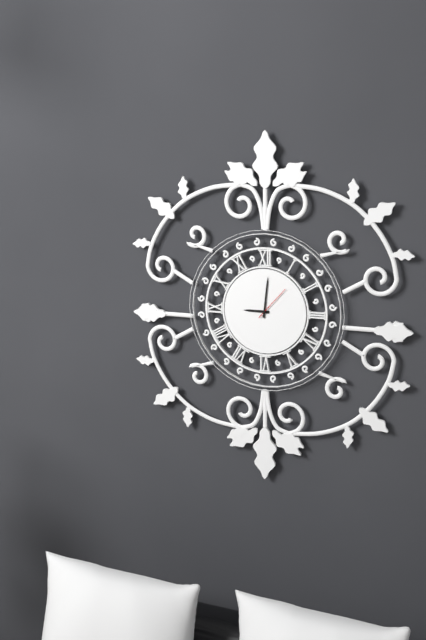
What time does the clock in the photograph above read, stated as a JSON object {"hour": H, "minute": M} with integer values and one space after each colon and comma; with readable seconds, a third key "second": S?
{"hour": 9, "minute": 1}
